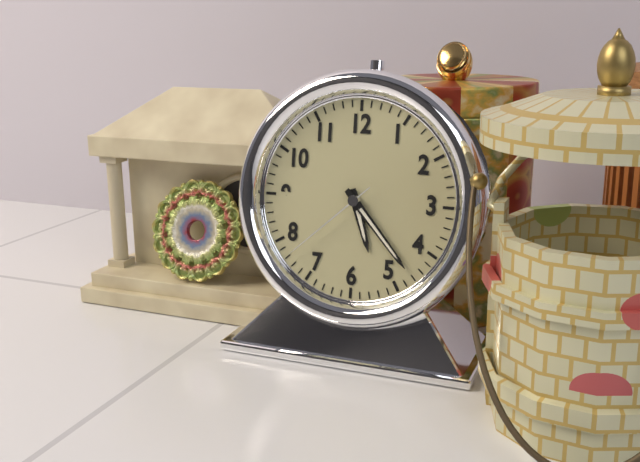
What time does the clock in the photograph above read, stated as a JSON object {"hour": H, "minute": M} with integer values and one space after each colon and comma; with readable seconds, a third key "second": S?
{"hour": 5, "minute": 23, "second": 38}
